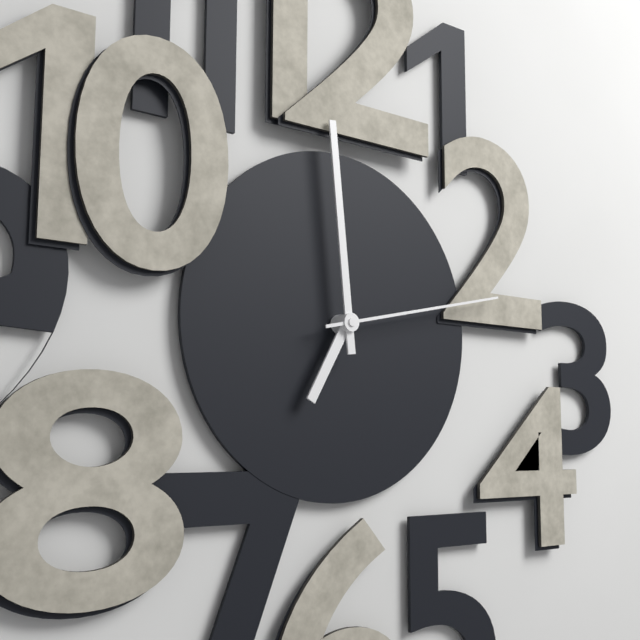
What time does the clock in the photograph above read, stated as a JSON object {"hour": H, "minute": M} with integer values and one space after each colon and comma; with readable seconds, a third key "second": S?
{"hour": 6, "minute": 59, "second": 13}
